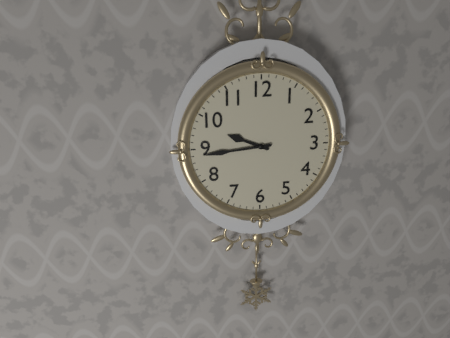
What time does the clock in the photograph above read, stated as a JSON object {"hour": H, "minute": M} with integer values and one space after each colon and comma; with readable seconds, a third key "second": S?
{"hour": 9, "minute": 44}
